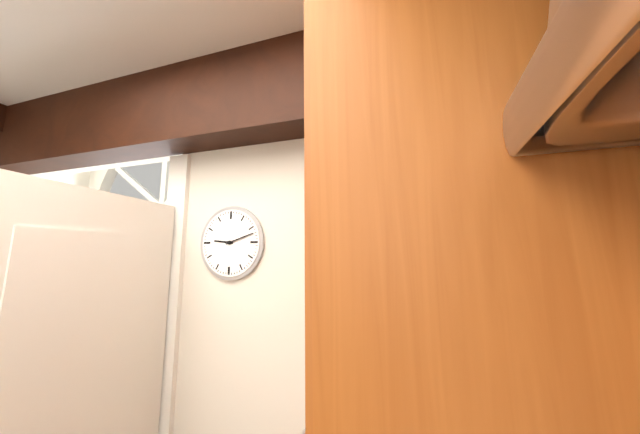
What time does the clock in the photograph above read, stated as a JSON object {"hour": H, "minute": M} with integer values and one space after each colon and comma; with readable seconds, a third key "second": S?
{"hour": 9, "minute": 12}
